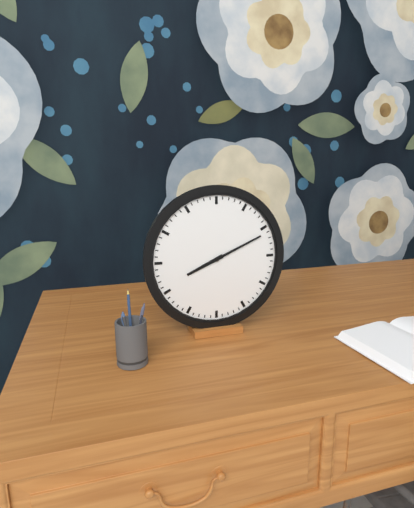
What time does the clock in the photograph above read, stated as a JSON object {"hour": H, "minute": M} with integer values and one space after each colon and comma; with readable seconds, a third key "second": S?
{"hour": 8, "minute": 11}
